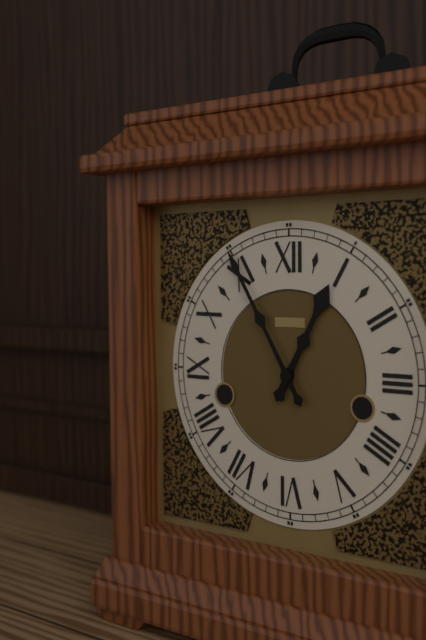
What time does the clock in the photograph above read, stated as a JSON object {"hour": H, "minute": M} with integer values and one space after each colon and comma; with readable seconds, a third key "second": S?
{"hour": 12, "minute": 55}
